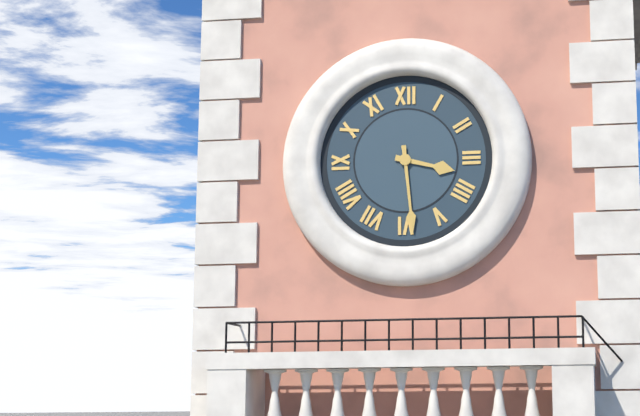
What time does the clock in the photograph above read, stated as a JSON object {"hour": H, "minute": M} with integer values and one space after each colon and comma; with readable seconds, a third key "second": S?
{"hour": 3, "minute": 29}
